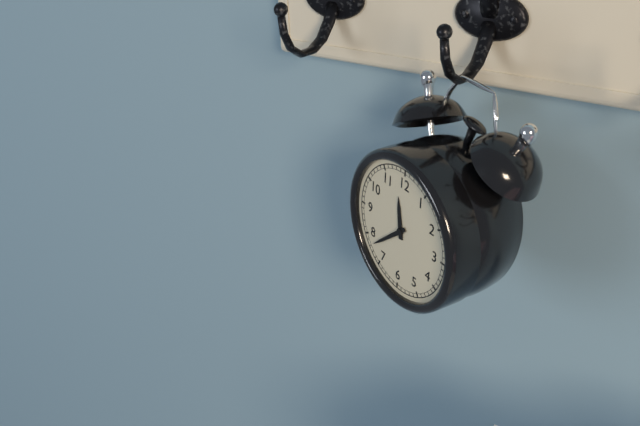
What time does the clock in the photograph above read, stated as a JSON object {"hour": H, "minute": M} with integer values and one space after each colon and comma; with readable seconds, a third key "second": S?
{"hour": 11, "minute": 38}
